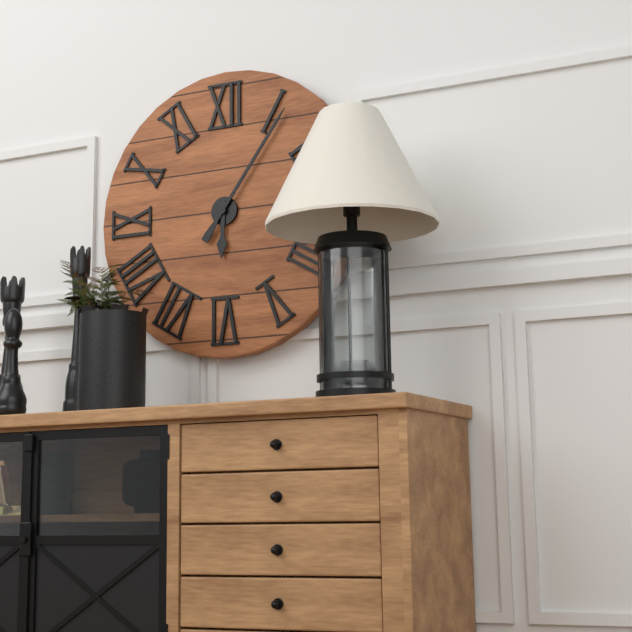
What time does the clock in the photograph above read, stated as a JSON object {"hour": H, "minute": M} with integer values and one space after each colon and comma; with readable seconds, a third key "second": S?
{"hour": 6, "minute": 6}
